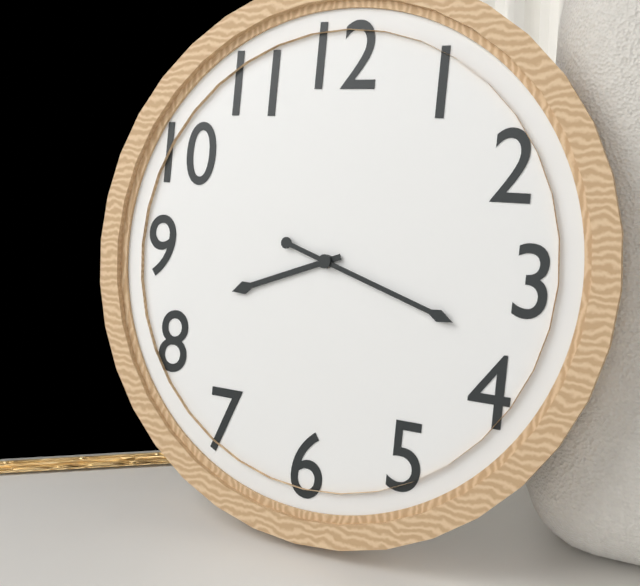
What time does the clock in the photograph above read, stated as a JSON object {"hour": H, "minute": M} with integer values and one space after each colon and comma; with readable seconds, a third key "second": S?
{"hour": 8, "minute": 18}
